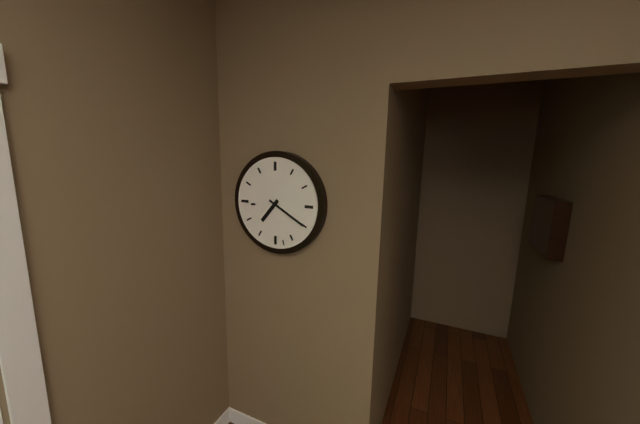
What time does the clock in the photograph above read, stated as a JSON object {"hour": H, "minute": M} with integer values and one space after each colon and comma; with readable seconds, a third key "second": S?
{"hour": 7, "minute": 20}
